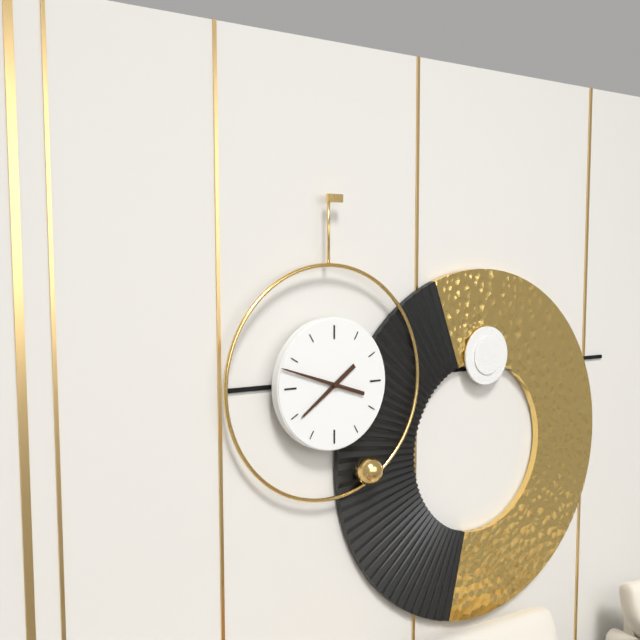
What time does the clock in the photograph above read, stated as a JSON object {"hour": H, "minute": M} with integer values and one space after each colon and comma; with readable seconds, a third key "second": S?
{"hour": 7, "minute": 48}
